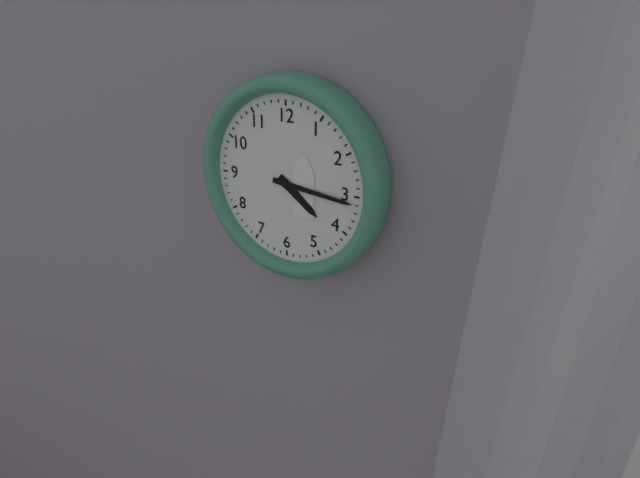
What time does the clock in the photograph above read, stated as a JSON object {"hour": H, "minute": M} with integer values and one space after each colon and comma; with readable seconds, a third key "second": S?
{"hour": 4, "minute": 16}
